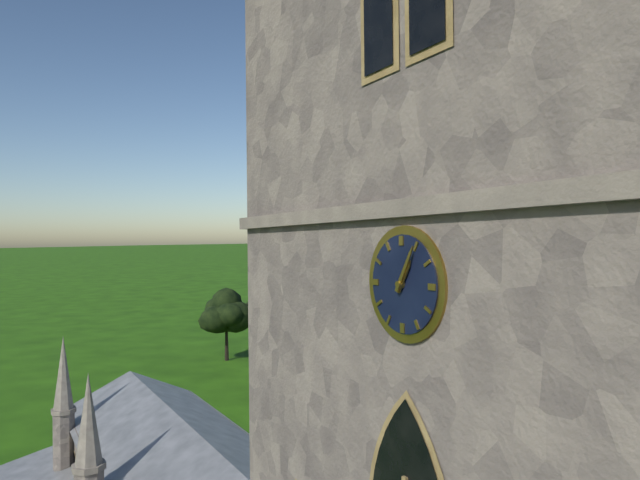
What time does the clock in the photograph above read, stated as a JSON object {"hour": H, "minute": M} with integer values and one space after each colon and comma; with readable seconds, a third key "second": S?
{"hour": 1, "minute": 5}
